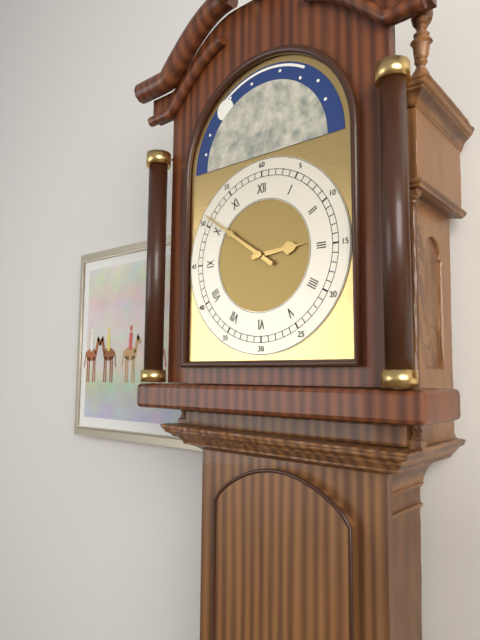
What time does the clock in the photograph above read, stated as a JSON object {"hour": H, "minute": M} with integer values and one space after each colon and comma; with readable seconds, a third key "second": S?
{"hour": 2, "minute": 51}
